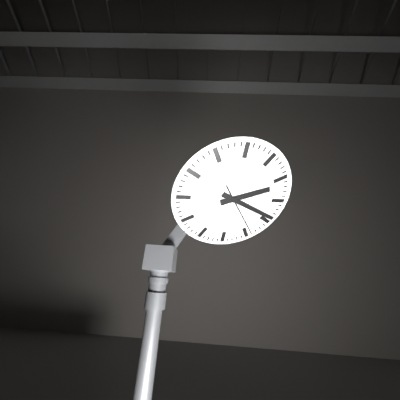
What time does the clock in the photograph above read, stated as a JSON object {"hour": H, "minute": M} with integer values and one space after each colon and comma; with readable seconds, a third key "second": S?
{"hour": 2, "minute": 19}
